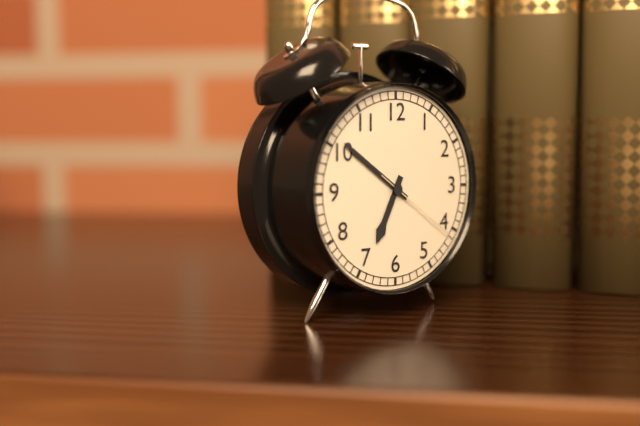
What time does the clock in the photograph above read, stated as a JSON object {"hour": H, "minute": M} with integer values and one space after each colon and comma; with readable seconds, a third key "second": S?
{"hour": 6, "minute": 51, "second": 21}
